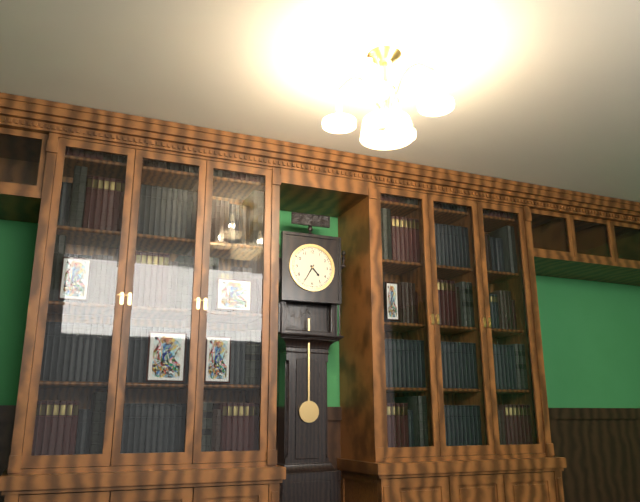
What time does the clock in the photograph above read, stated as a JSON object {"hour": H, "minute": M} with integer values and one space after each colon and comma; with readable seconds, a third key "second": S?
{"hour": 4, "minute": 35}
